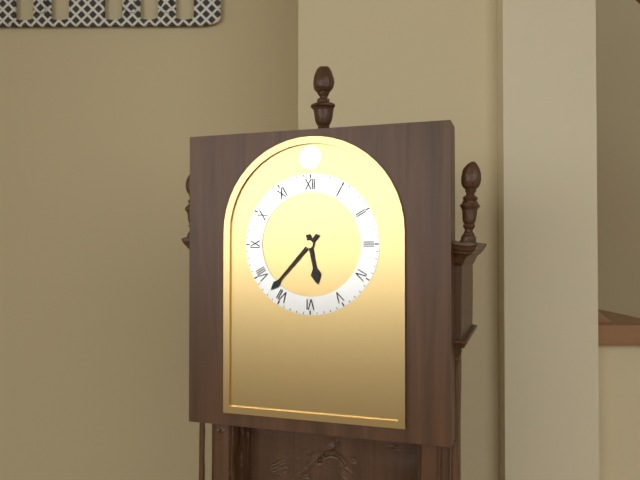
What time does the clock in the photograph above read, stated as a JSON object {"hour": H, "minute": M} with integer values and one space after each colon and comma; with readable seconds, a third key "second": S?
{"hour": 5, "minute": 37}
